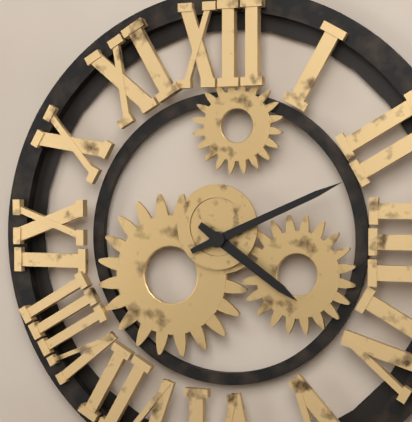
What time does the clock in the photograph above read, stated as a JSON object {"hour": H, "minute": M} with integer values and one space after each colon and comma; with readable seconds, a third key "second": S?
{"hour": 4, "minute": 11}
